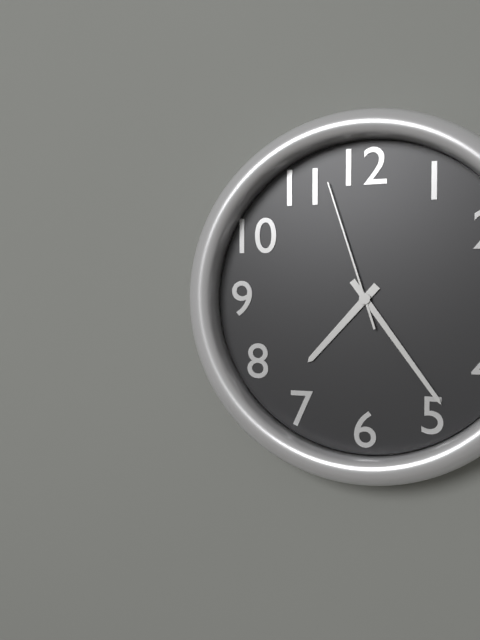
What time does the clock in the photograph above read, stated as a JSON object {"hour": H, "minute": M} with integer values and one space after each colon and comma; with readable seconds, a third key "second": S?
{"hour": 7, "minute": 24, "second": 57}
